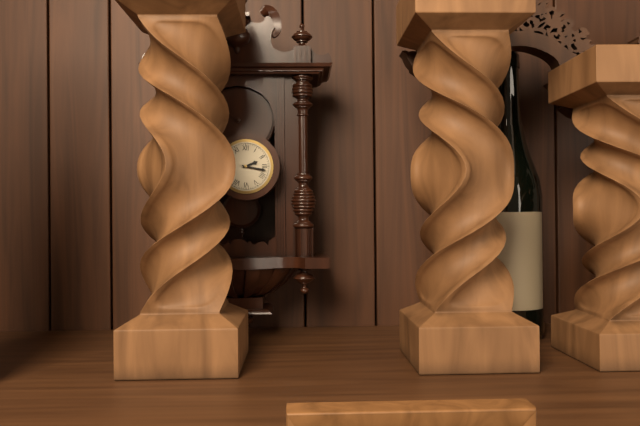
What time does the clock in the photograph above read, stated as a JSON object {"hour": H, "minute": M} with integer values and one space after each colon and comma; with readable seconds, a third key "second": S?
{"hour": 2, "minute": 17}
